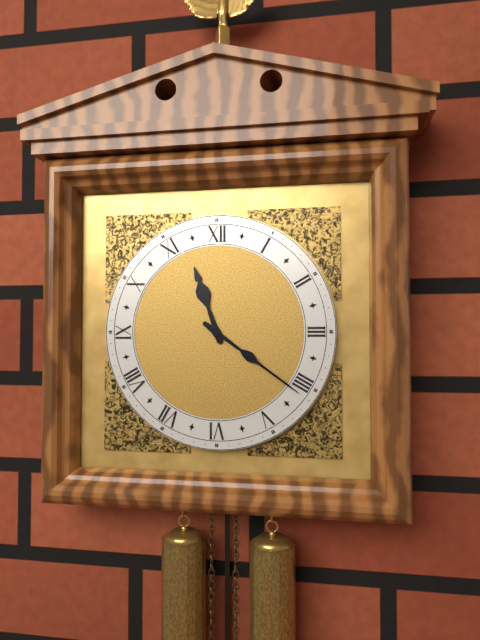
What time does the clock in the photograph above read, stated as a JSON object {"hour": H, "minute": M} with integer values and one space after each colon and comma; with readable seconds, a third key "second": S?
{"hour": 11, "minute": 21}
